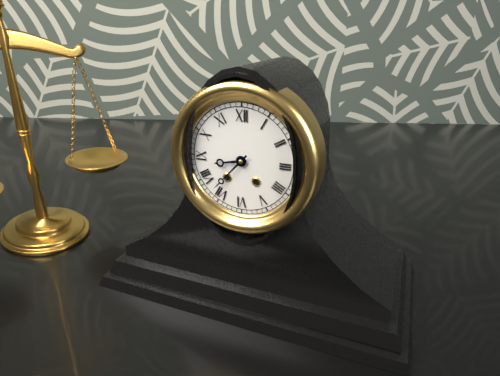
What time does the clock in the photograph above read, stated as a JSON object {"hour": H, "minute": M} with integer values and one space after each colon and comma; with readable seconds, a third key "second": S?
{"hour": 8, "minute": 37}
